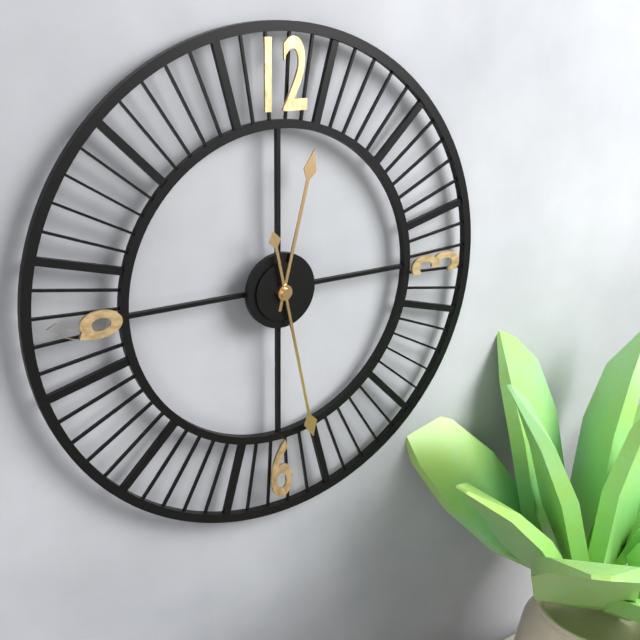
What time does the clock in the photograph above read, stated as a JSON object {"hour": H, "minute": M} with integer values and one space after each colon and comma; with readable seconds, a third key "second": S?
{"hour": 12, "minute": 28}
